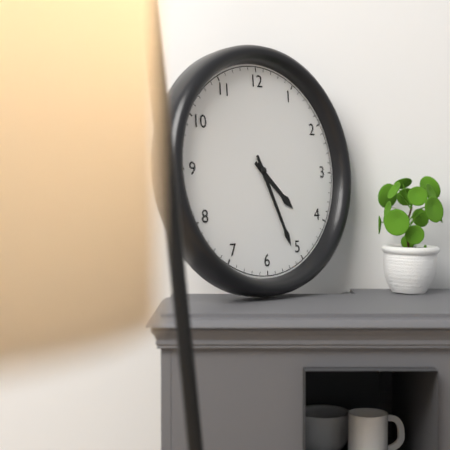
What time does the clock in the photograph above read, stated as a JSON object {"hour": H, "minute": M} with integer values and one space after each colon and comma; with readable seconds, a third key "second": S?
{"hour": 4, "minute": 26}
